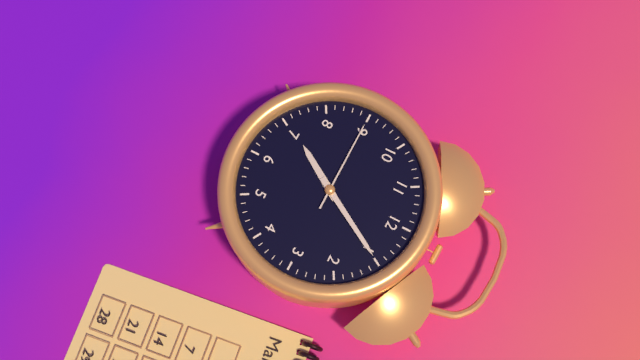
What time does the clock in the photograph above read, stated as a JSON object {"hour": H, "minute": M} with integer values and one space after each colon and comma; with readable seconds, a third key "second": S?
{"hour": 7, "minute": 5, "second": 45}
